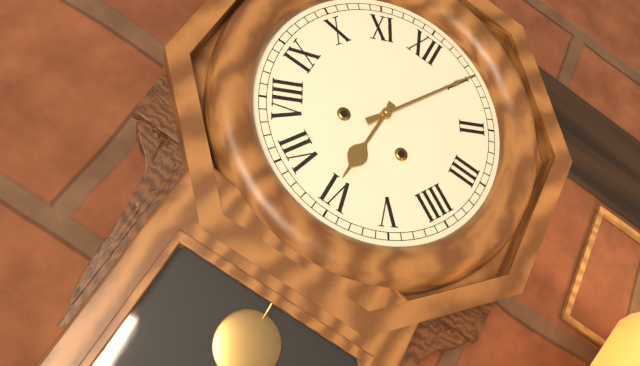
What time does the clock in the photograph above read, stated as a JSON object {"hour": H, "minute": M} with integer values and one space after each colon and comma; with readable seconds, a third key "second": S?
{"hour": 6, "minute": 5}
